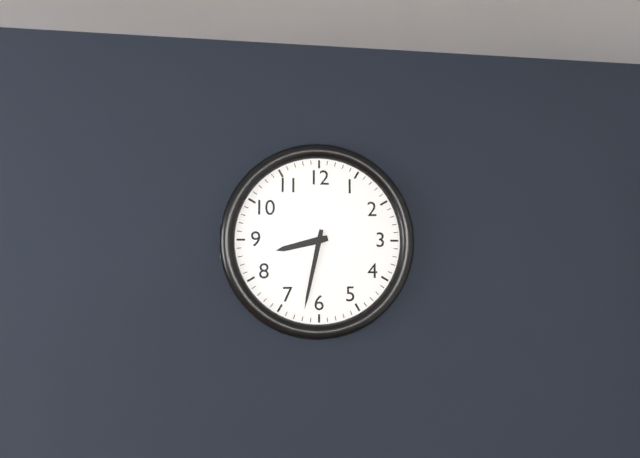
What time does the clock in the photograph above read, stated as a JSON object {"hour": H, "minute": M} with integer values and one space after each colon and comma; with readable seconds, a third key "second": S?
{"hour": 8, "minute": 32}
